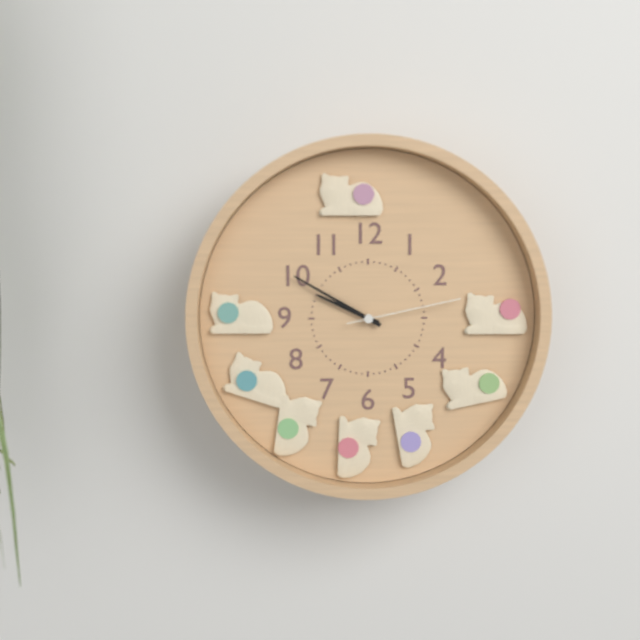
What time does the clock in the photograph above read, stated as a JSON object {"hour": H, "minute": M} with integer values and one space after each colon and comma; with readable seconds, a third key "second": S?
{"hour": 9, "minute": 50, "second": 13}
